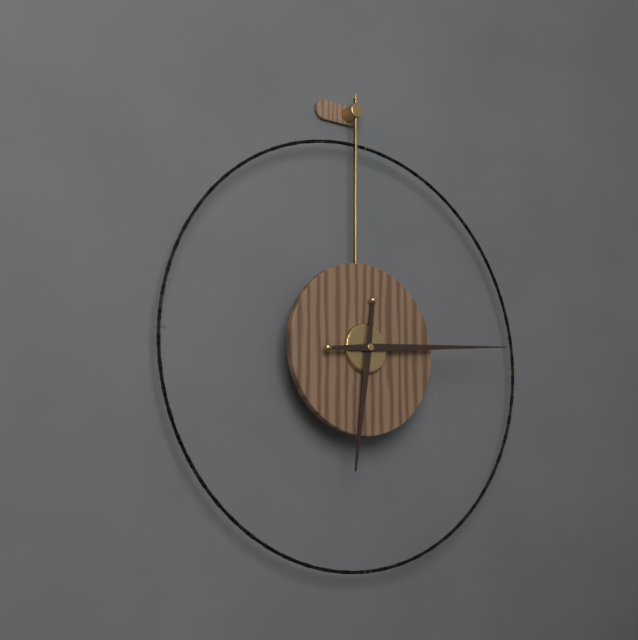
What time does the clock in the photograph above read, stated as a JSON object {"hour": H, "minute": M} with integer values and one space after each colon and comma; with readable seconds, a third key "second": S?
{"hour": 6, "minute": 14}
